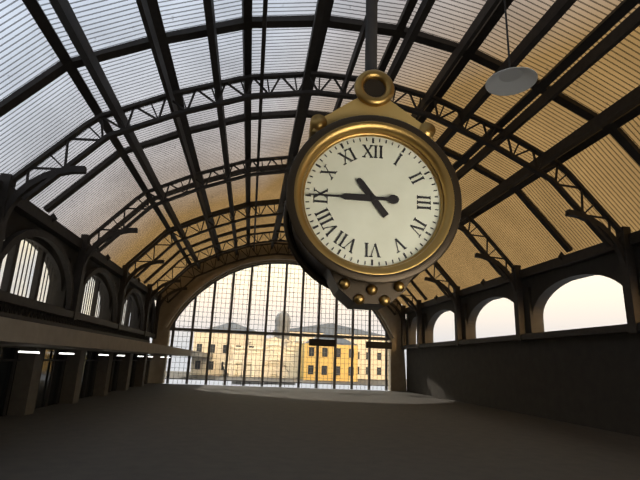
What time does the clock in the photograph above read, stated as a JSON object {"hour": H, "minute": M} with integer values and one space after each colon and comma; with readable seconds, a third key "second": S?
{"hour": 10, "minute": 45}
